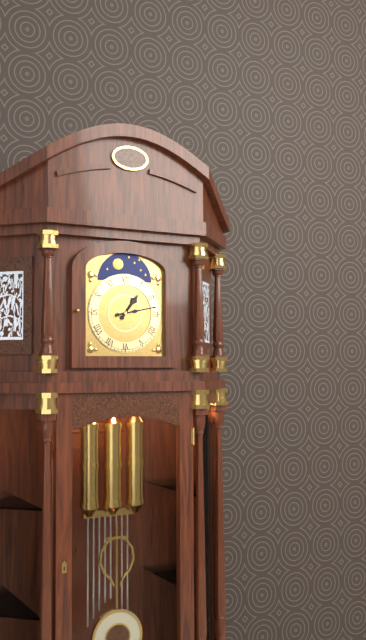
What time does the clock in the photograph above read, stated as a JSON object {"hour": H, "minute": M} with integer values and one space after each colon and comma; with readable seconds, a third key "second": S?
{"hour": 1, "minute": 13}
